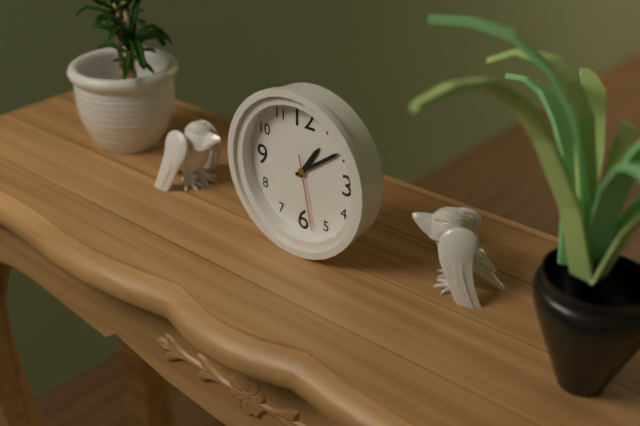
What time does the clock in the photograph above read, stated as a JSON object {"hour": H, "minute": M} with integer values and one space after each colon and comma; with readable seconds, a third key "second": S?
{"hour": 1, "minute": 9, "second": 28}
